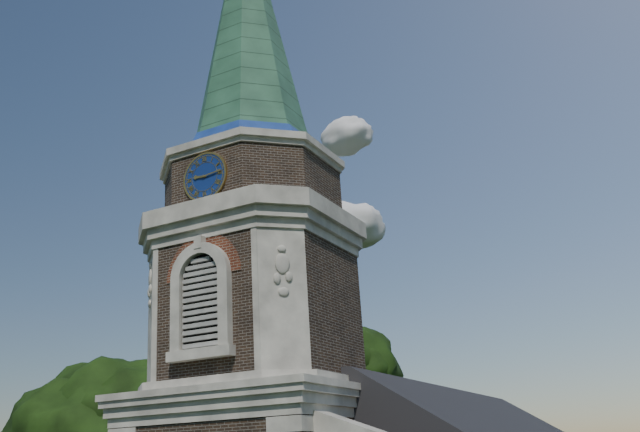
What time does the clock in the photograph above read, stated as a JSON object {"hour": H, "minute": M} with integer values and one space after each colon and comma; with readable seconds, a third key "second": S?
{"hour": 9, "minute": 14}
